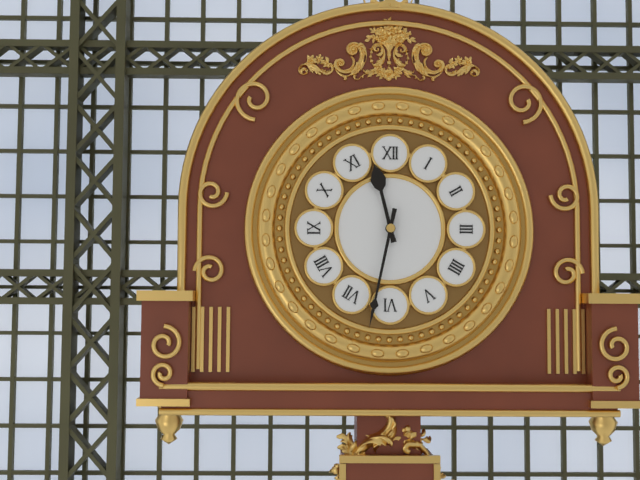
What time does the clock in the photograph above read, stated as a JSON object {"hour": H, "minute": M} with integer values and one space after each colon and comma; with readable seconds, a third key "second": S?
{"hour": 11, "minute": 32}
